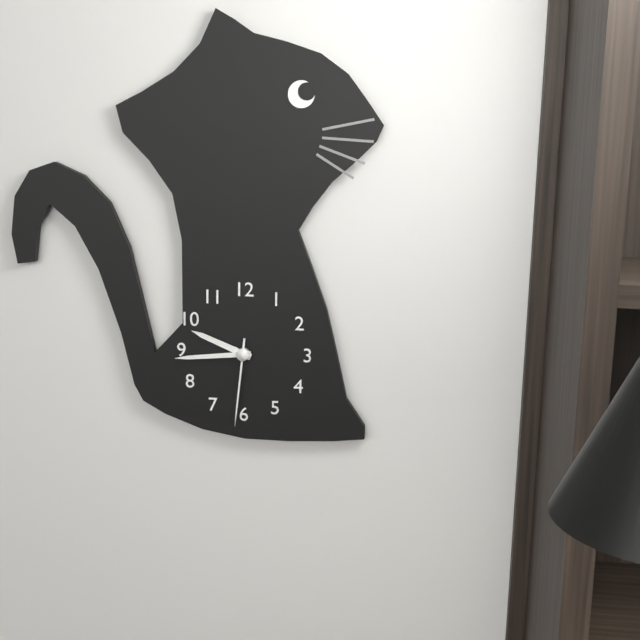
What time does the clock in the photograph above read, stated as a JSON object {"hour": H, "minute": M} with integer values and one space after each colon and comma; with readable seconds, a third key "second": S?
{"hour": 9, "minute": 44, "second": 31}
